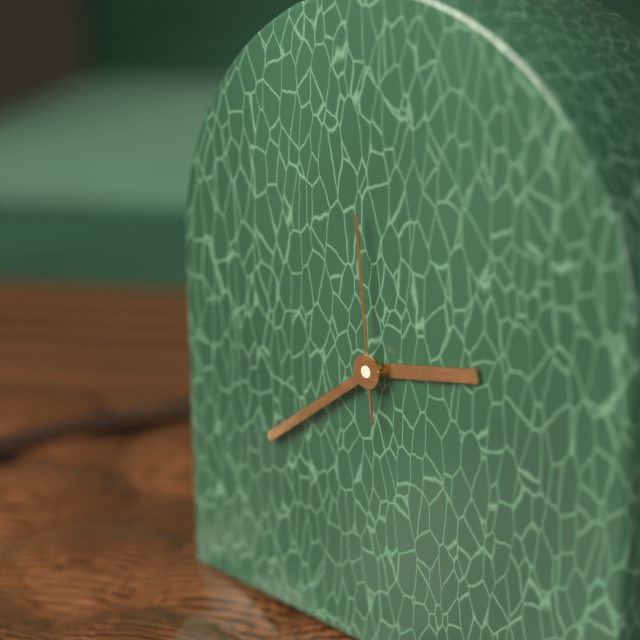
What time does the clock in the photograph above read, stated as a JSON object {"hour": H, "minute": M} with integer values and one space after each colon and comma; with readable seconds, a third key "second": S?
{"hour": 2, "minute": 39, "second": 59}
